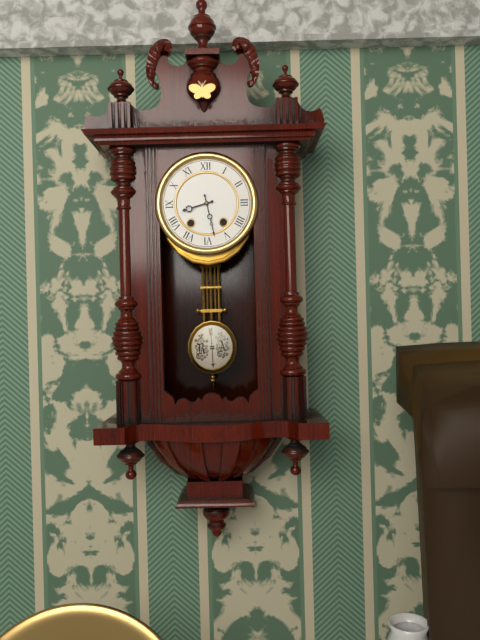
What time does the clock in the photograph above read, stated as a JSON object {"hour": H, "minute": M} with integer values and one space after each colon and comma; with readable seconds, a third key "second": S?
{"hour": 8, "minute": 28}
